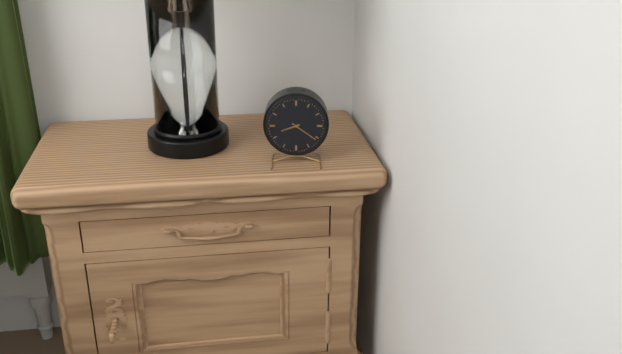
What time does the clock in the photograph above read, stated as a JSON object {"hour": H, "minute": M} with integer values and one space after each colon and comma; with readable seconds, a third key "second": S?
{"hour": 8, "minute": 21}
